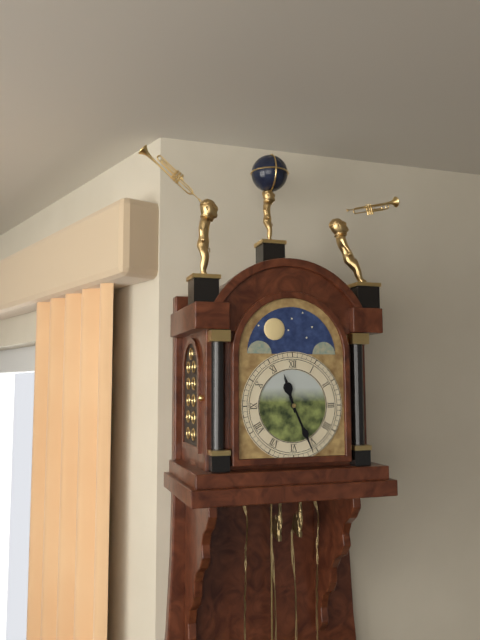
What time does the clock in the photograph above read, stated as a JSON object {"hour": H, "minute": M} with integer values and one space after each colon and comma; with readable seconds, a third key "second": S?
{"hour": 11, "minute": 26}
